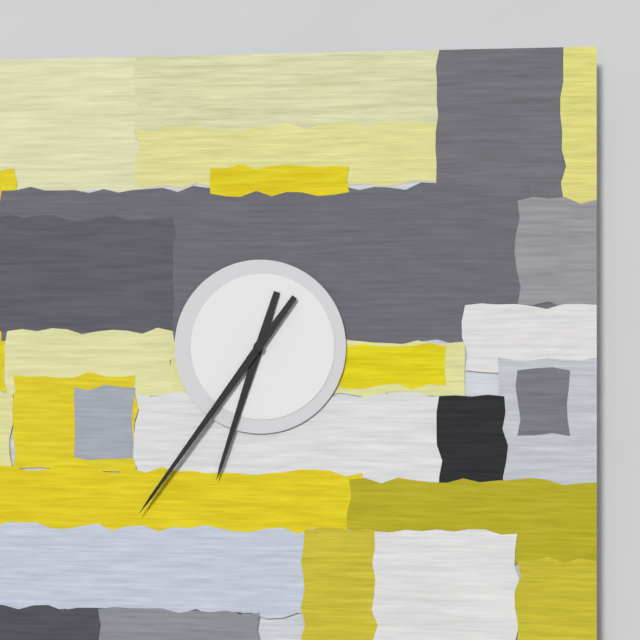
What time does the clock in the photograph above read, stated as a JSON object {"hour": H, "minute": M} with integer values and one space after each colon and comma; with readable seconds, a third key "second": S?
{"hour": 6, "minute": 36}
